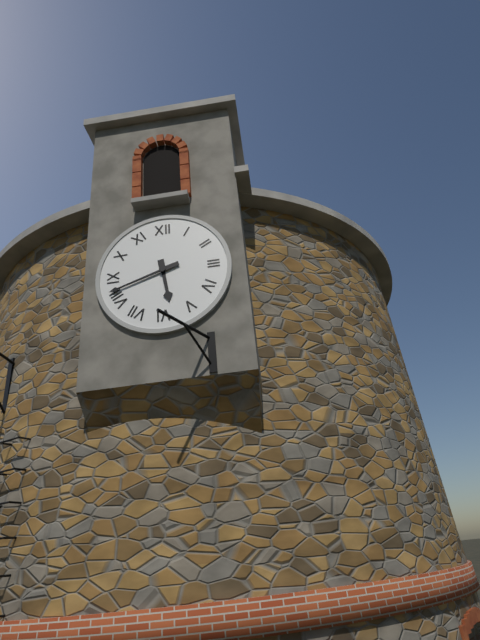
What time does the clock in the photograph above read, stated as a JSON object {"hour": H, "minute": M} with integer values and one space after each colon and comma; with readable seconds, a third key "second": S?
{"hour": 5, "minute": 42}
